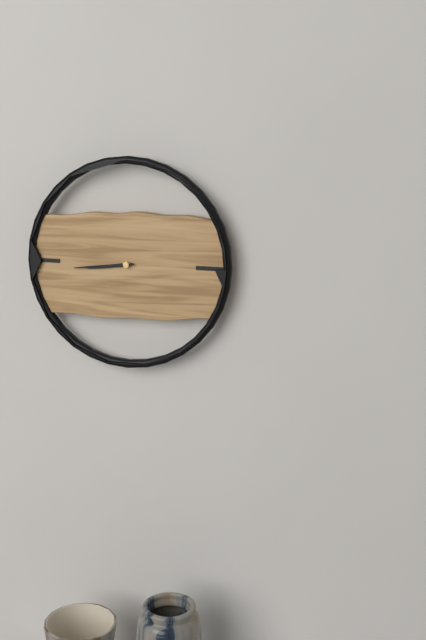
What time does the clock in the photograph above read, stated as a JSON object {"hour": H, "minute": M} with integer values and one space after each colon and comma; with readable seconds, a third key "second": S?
{"hour": 8, "minute": 44}
